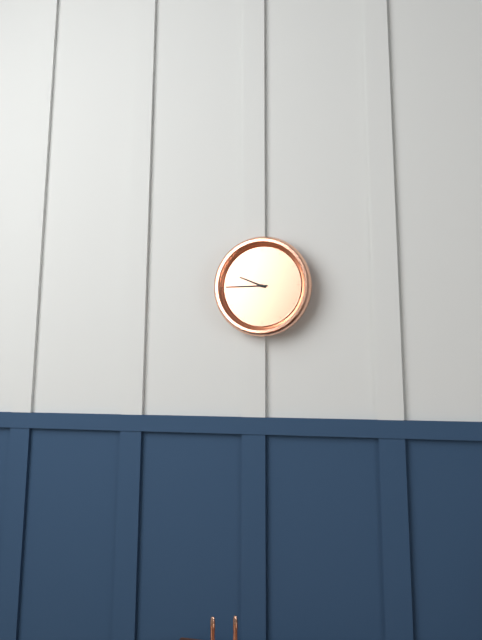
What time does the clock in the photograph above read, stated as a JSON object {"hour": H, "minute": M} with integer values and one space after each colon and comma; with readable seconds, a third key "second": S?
{"hour": 9, "minute": 45}
